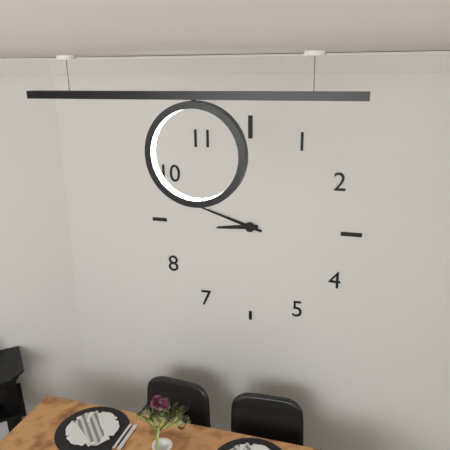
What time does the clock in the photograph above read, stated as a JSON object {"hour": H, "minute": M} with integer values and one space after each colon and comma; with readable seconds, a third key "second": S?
{"hour": 8, "minute": 48}
